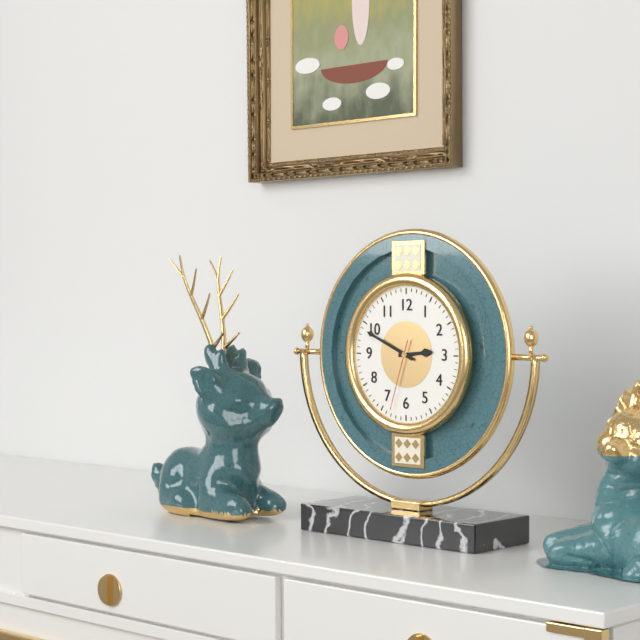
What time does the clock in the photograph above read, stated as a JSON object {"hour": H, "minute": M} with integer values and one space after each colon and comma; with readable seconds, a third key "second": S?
{"hour": 2, "minute": 49, "second": 33}
